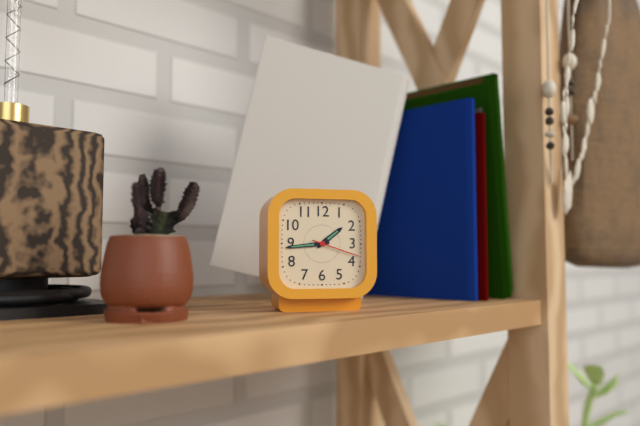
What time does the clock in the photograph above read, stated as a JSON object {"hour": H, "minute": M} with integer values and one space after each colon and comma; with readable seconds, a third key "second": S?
{"hour": 1, "minute": 44, "second": 18}
